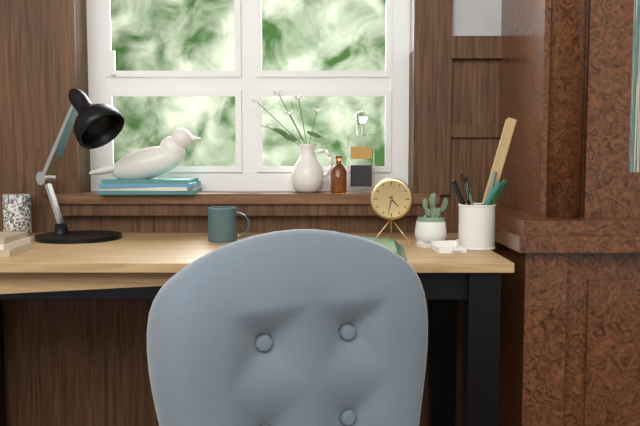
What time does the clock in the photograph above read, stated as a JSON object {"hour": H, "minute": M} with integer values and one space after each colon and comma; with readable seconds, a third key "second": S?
{"hour": 4, "minute": 32}
